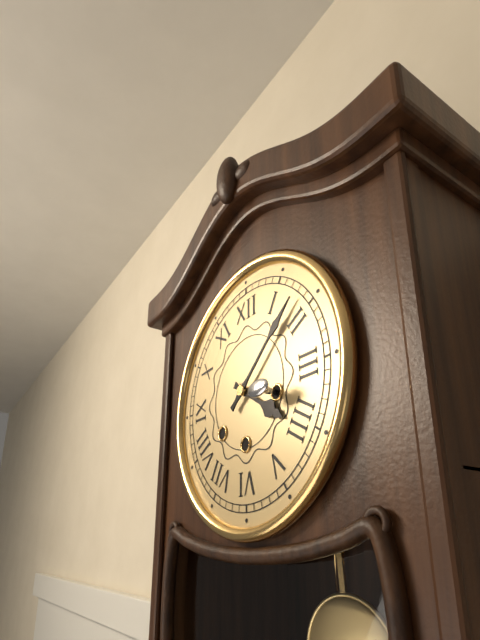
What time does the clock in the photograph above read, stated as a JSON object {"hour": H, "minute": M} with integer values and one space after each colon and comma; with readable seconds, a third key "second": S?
{"hour": 4, "minute": 8}
